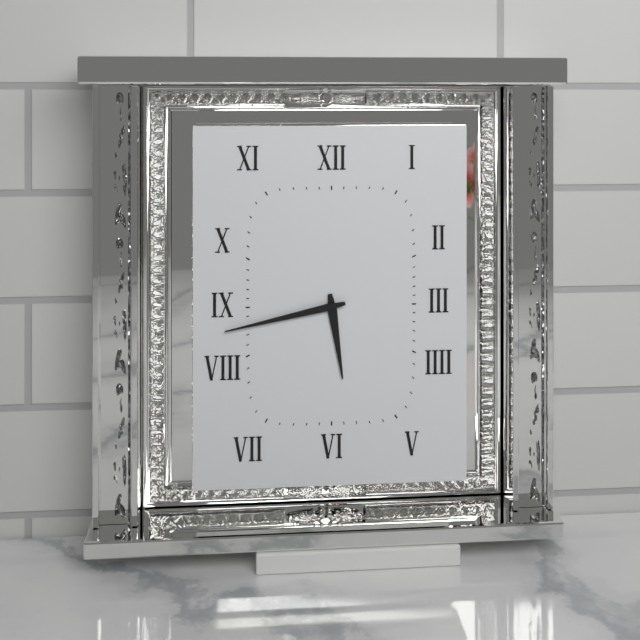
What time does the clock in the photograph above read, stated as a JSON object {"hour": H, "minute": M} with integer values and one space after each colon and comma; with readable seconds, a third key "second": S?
{"hour": 5, "minute": 43}
